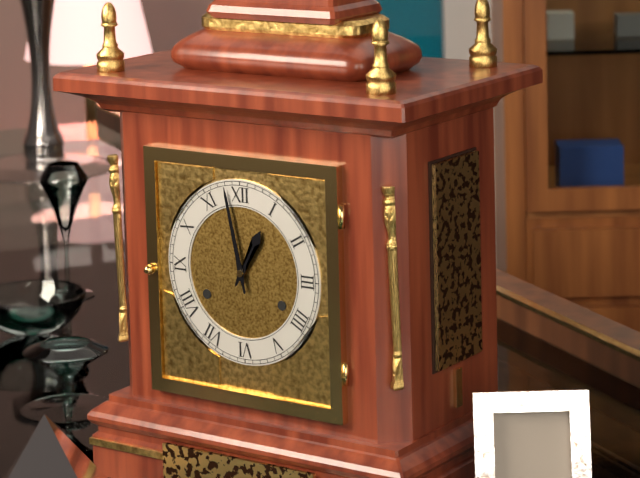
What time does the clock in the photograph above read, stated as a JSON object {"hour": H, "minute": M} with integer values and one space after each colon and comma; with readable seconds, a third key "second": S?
{"hour": 12, "minute": 58}
